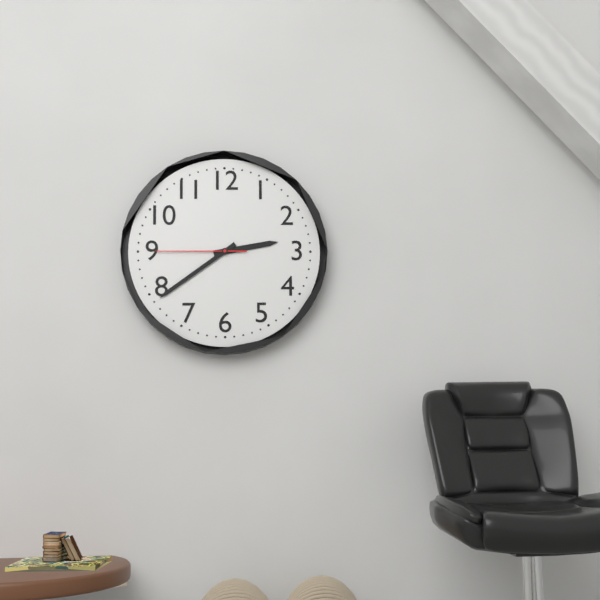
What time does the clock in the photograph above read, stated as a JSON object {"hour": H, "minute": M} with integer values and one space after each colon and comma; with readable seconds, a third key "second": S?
{"hour": 2, "minute": 39, "second": 45}
